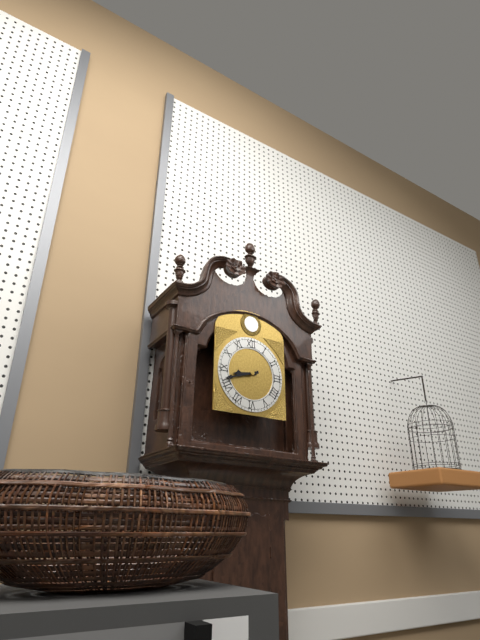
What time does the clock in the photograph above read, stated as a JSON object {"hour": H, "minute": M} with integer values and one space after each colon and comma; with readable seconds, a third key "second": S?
{"hour": 8, "minute": 42}
